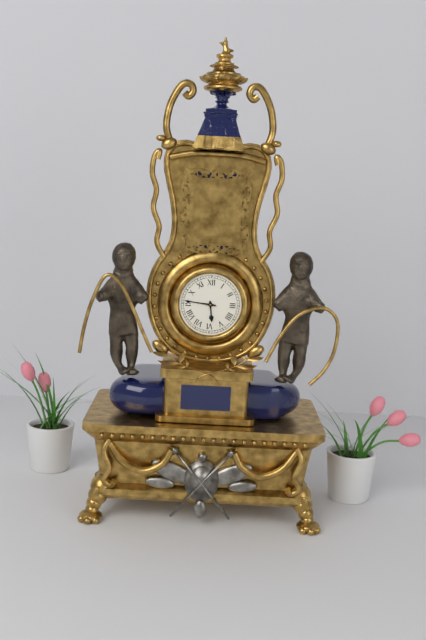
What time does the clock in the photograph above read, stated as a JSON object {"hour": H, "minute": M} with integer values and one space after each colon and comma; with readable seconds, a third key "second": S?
{"hour": 5, "minute": 46}
